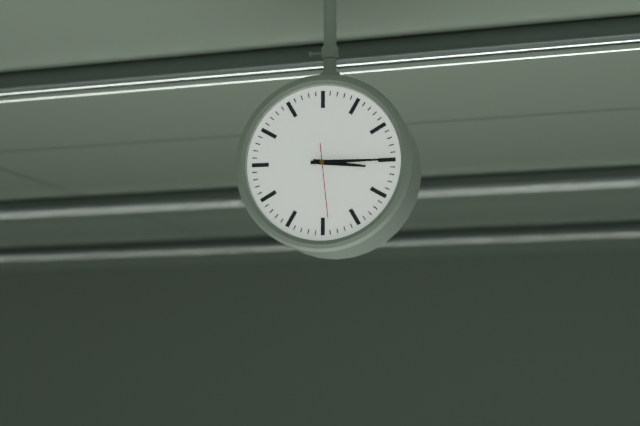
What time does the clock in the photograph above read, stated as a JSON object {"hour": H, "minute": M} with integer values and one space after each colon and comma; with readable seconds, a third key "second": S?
{"hour": 3, "minute": 15, "second": 29}
